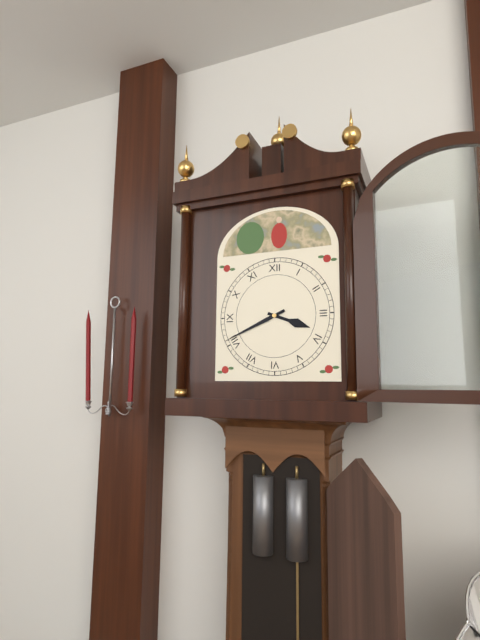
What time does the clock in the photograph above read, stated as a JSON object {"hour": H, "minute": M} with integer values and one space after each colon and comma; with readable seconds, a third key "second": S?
{"hour": 3, "minute": 41}
